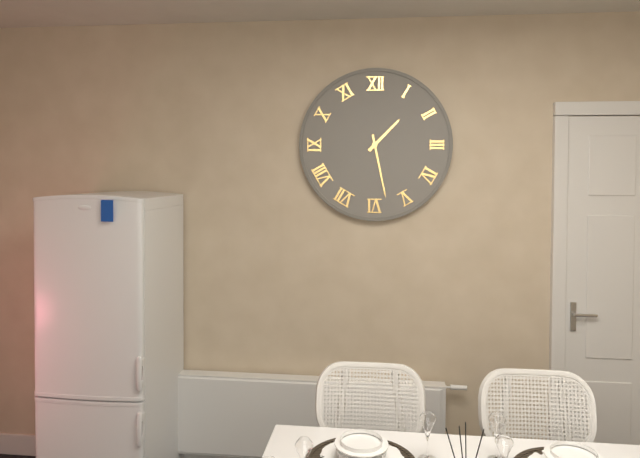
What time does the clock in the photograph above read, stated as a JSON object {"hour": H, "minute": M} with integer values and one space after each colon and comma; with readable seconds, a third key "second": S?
{"hour": 1, "minute": 28}
